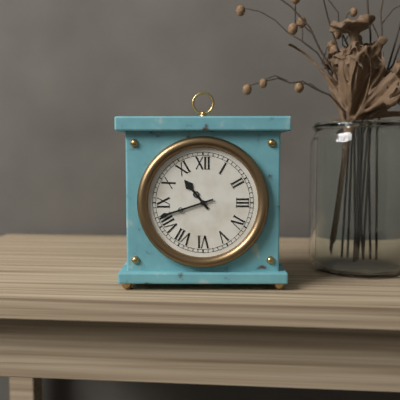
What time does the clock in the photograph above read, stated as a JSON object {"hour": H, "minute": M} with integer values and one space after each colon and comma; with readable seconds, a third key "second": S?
{"hour": 10, "minute": 42}
